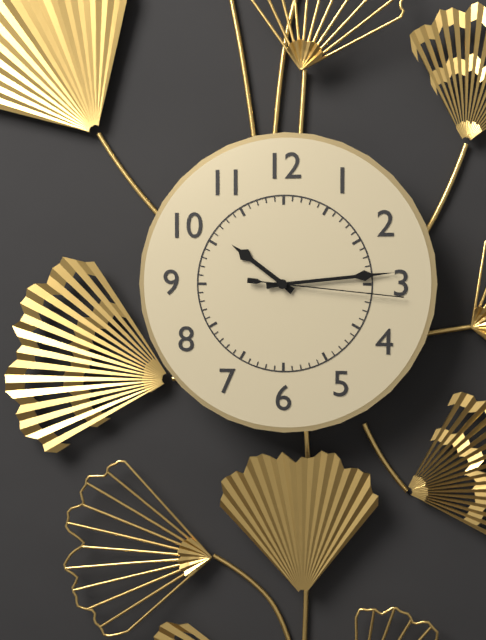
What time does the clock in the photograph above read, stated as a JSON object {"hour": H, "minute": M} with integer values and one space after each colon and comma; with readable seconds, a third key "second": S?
{"hour": 10, "minute": 14, "second": 16}
